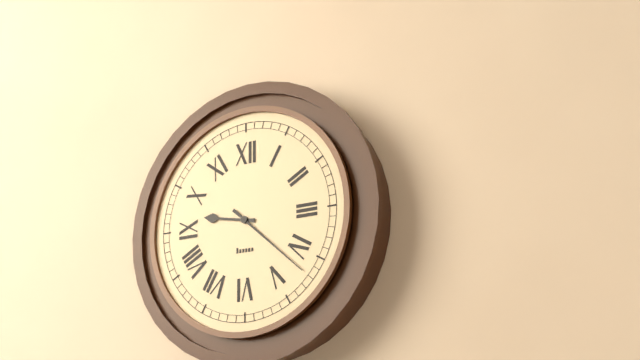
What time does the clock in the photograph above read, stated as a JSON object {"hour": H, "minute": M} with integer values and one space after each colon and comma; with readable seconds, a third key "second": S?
{"hour": 9, "minute": 22}
